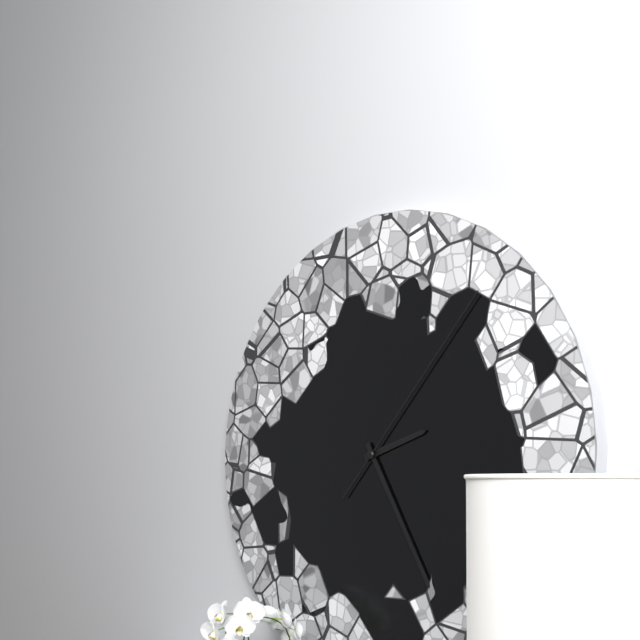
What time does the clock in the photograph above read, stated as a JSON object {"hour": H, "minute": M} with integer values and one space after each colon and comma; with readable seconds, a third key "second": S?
{"hour": 2, "minute": 25, "second": 7}
